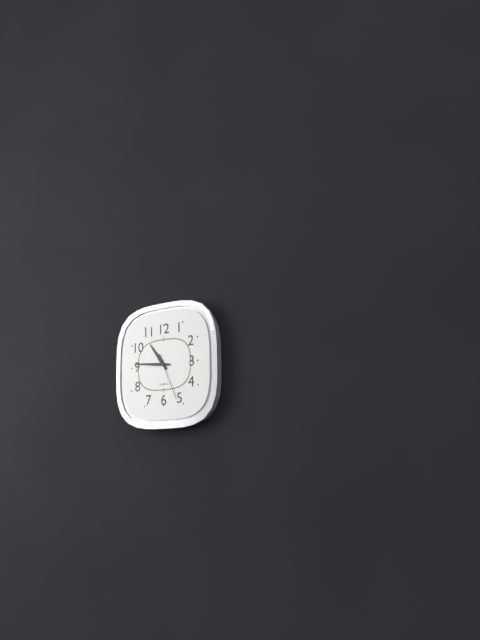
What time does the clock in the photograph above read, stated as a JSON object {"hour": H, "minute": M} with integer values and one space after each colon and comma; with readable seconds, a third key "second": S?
{"hour": 10, "minute": 46}
